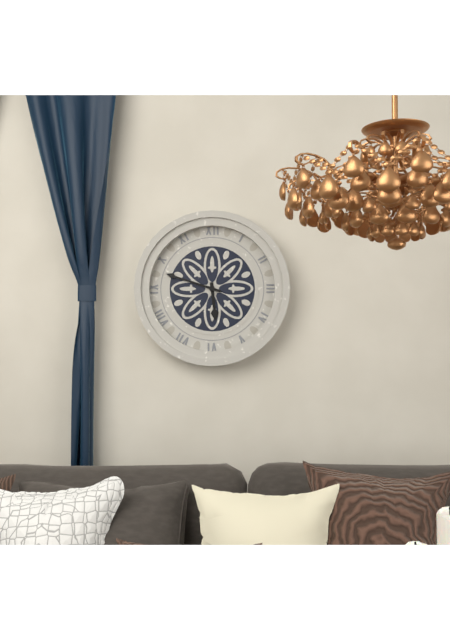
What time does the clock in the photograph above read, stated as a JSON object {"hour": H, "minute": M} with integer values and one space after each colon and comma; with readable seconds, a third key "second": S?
{"hour": 5, "minute": 48}
